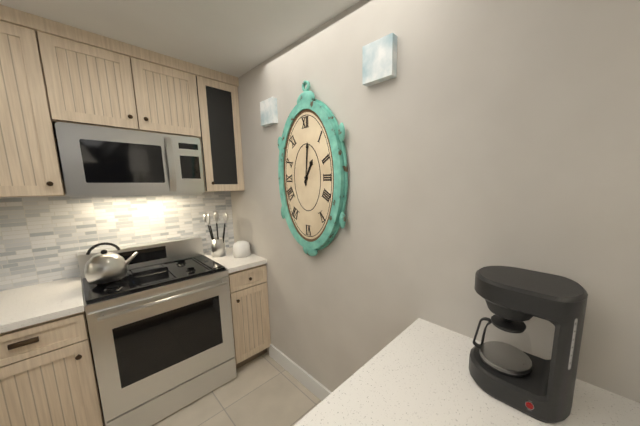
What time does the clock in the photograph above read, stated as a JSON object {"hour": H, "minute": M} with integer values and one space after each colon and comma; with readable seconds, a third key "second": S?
{"hour": 1, "minute": 1}
